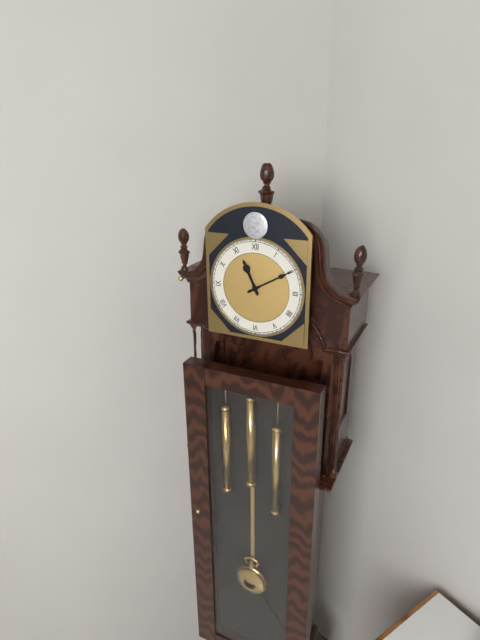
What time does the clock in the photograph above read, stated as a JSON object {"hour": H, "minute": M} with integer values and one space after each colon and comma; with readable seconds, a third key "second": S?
{"hour": 11, "minute": 10}
